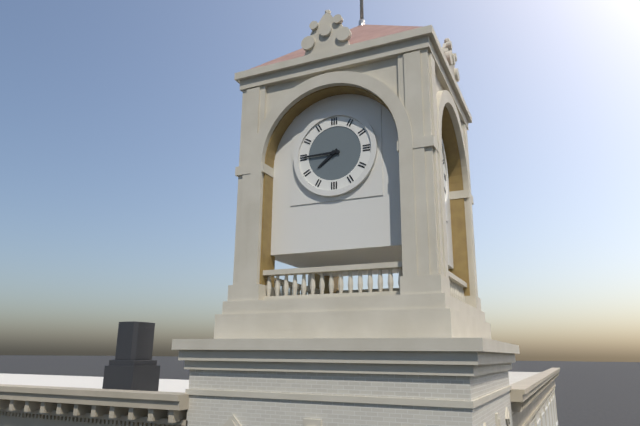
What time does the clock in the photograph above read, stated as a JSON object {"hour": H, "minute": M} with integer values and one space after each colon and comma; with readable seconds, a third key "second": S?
{"hour": 7, "minute": 45}
